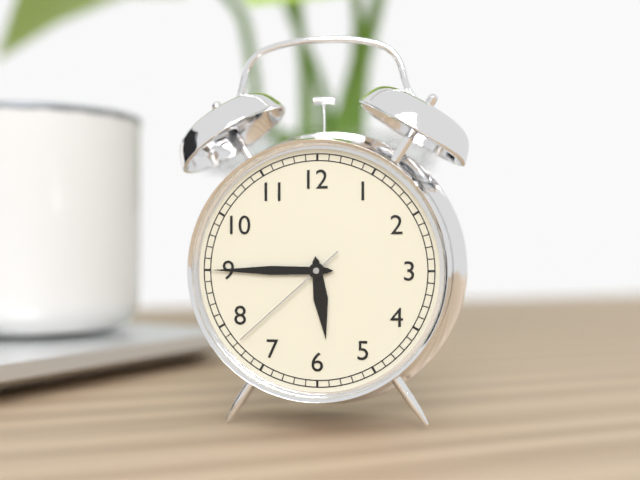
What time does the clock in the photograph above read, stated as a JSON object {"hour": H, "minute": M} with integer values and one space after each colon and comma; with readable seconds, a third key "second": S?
{"hour": 5, "minute": 45, "second": 38}
